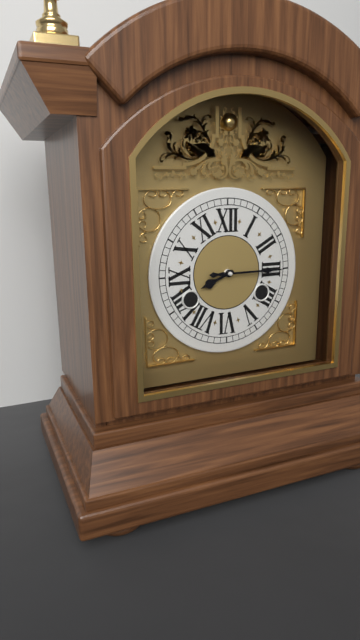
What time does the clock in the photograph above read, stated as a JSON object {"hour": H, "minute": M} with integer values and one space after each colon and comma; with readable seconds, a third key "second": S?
{"hour": 8, "minute": 15}
